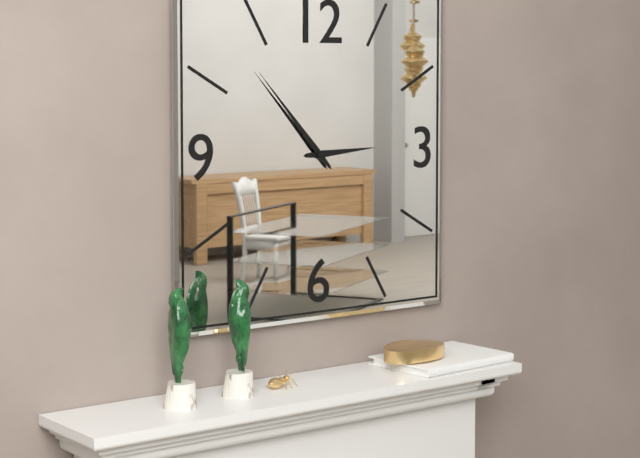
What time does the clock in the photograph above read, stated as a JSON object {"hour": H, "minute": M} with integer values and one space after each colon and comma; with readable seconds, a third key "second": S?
{"hour": 2, "minute": 53}
